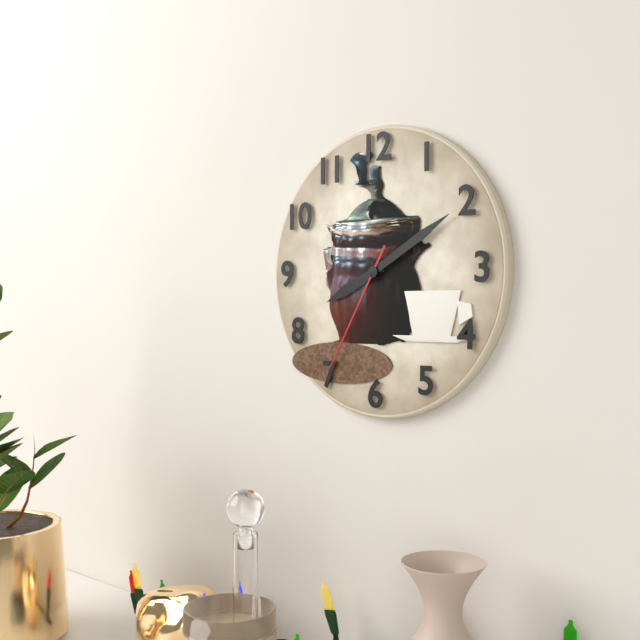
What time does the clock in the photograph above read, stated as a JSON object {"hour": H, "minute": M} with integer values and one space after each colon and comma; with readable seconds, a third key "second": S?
{"hour": 8, "minute": 10, "second": 35}
